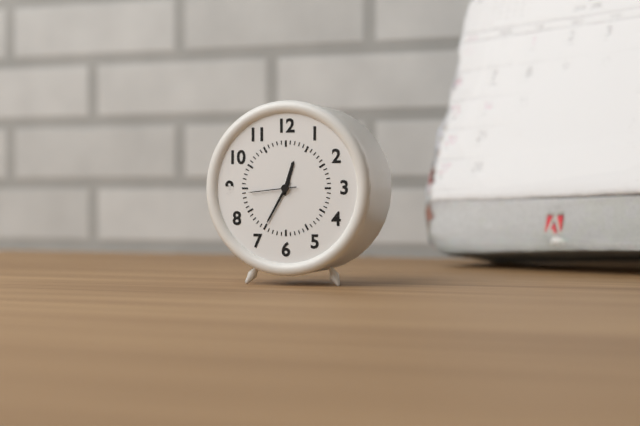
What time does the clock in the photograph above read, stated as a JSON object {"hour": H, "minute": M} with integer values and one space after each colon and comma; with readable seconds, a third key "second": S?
{"hour": 12, "minute": 35}
